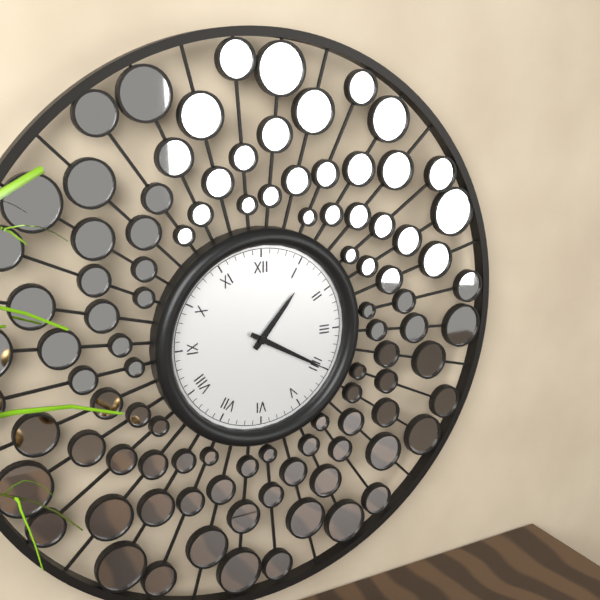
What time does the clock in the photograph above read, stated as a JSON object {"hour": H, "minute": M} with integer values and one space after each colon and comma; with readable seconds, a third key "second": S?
{"hour": 1, "minute": 20}
